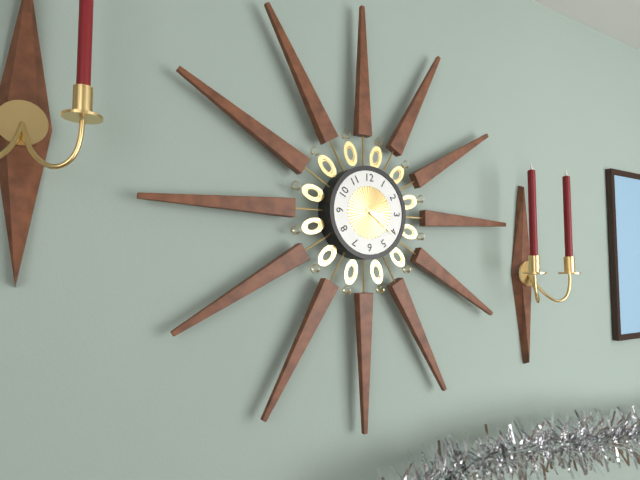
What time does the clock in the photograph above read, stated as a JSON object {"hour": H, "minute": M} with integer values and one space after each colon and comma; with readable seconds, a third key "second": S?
{"hour": 3, "minute": 21}
